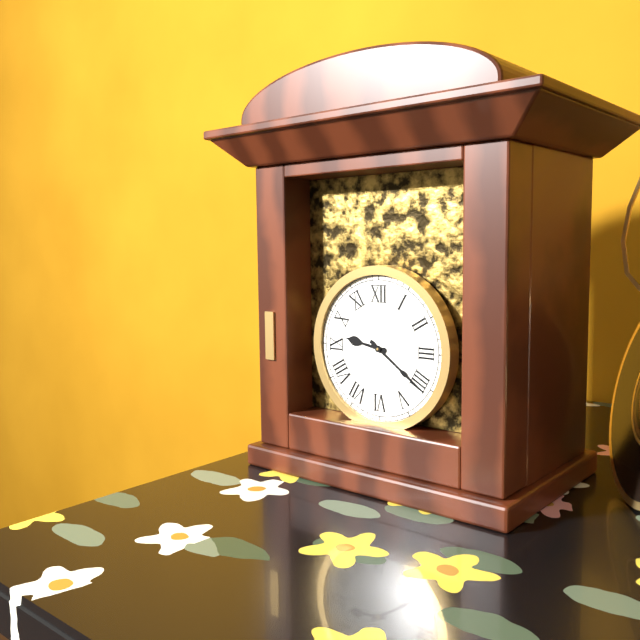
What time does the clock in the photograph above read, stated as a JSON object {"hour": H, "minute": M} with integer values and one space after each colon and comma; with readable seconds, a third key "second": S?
{"hour": 9, "minute": 21}
